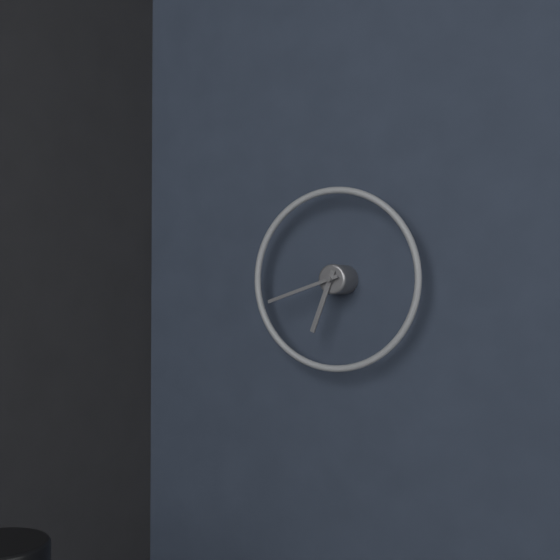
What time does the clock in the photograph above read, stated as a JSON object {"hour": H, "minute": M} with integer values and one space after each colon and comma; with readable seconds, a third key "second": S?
{"hour": 6, "minute": 42}
